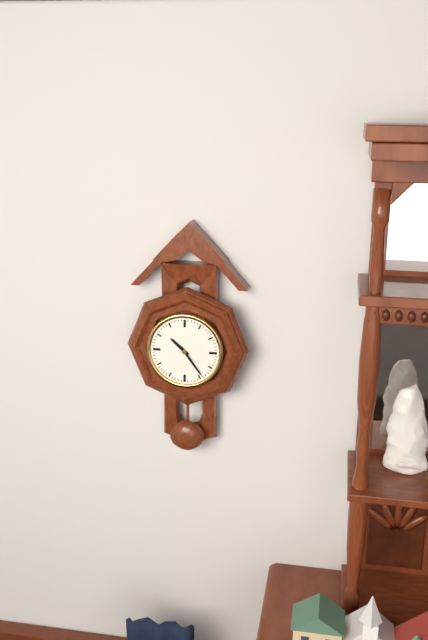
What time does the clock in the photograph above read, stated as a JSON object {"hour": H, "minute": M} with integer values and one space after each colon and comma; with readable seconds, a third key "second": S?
{"hour": 10, "minute": 24}
